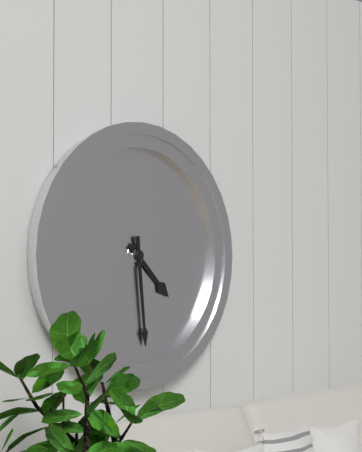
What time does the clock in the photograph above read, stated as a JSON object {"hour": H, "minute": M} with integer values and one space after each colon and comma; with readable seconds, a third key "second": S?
{"hour": 4, "minute": 29}
